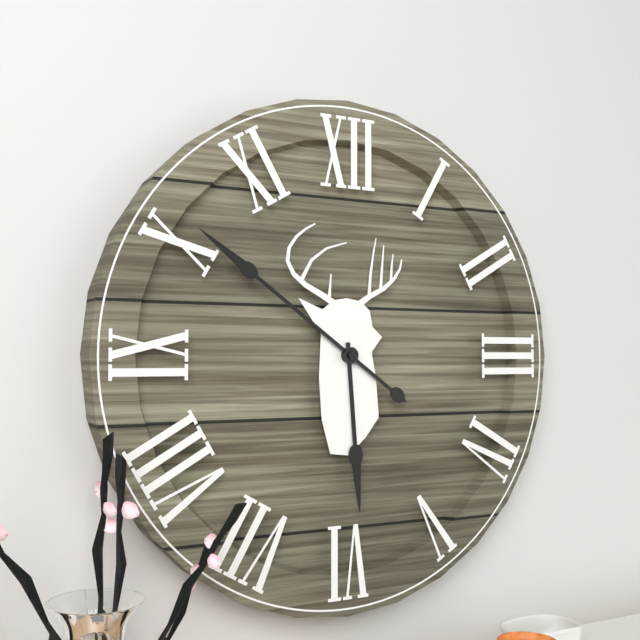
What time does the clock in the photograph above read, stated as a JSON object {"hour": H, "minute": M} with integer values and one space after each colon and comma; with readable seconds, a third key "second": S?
{"hour": 5, "minute": 51}
